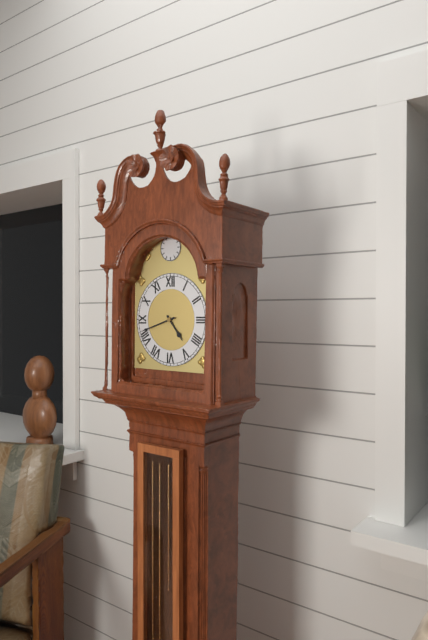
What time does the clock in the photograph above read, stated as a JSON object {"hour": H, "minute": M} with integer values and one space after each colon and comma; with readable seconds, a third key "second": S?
{"hour": 4, "minute": 42}
